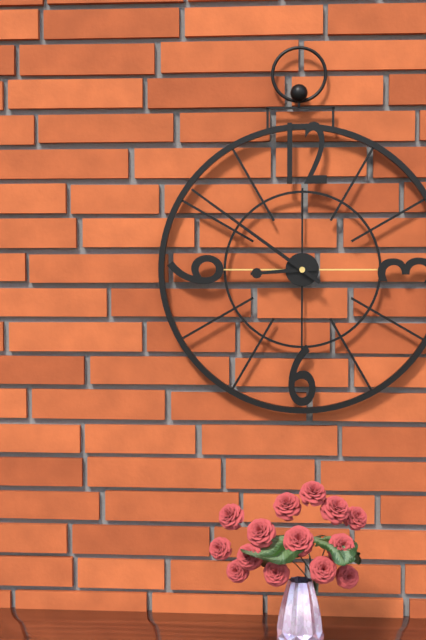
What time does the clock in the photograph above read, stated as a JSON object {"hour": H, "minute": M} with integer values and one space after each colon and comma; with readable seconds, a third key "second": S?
{"hour": 8, "minute": 51}
